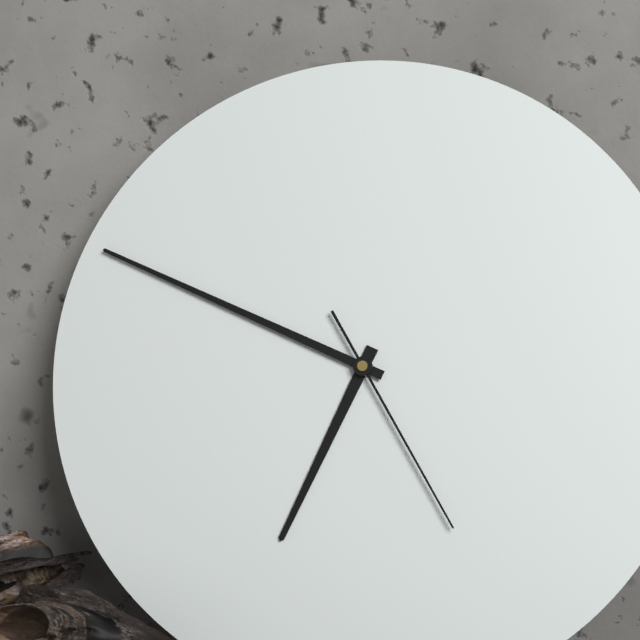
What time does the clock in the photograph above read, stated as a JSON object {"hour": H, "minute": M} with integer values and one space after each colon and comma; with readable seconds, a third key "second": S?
{"hour": 6, "minute": 49, "second": 25}
